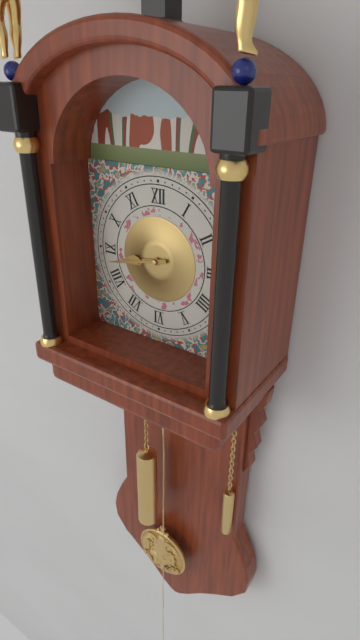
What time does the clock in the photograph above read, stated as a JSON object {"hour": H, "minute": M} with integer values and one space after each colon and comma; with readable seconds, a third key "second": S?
{"hour": 8, "minute": 43}
